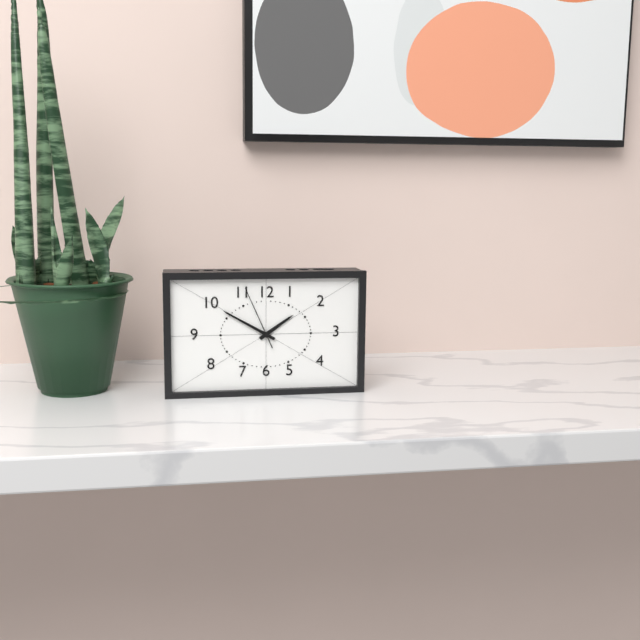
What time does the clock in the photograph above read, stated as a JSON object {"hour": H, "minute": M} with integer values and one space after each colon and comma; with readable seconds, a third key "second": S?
{"hour": 1, "minute": 50, "second": 56}
